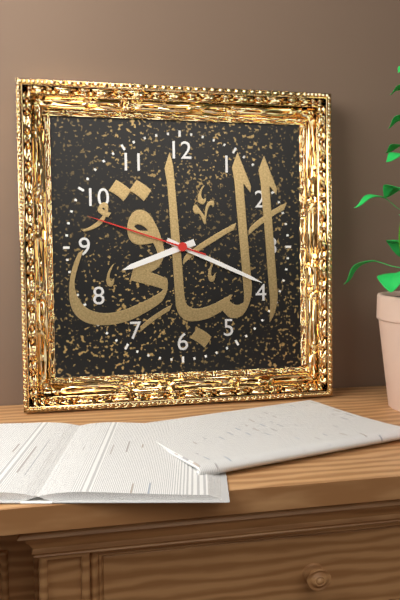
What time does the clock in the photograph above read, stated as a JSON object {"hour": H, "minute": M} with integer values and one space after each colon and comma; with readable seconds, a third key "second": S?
{"hour": 8, "minute": 19, "second": 48}
